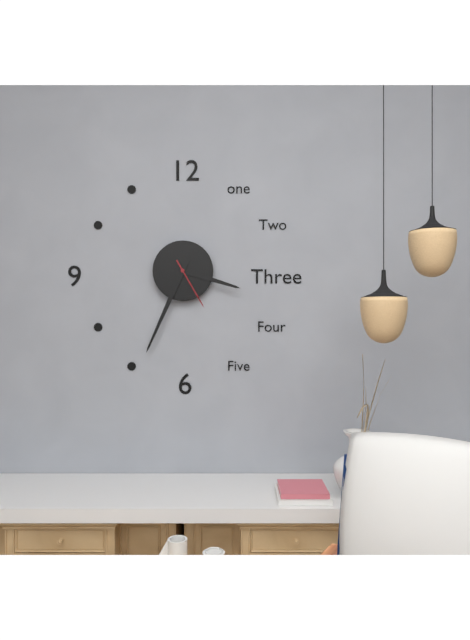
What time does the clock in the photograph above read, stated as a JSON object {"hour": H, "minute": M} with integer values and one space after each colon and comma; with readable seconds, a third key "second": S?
{"hour": 3, "minute": 34, "second": 25}
